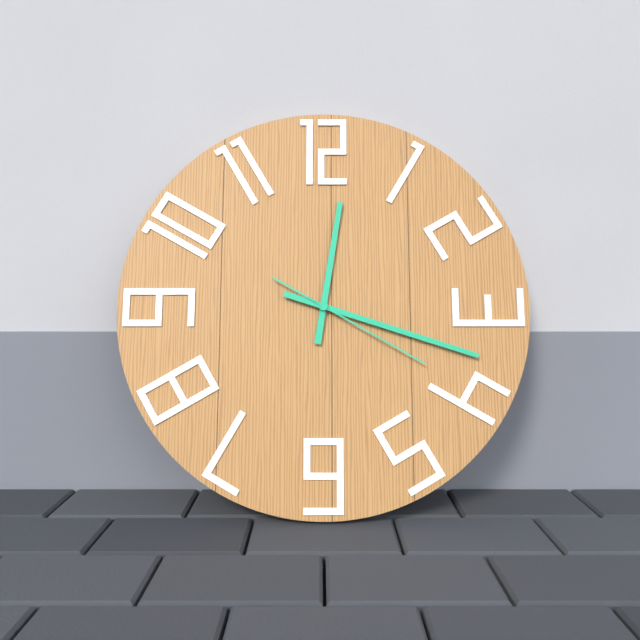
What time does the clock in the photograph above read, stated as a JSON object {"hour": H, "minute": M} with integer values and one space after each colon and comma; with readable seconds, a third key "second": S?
{"hour": 12, "minute": 18, "second": 20}
